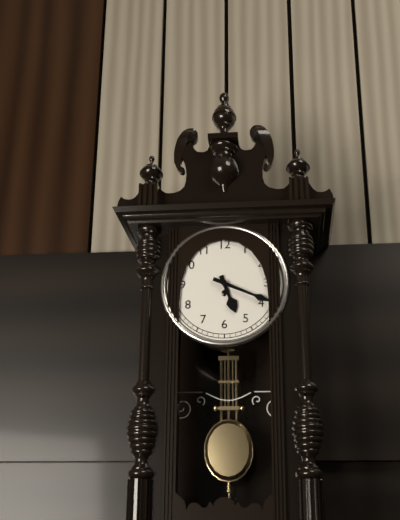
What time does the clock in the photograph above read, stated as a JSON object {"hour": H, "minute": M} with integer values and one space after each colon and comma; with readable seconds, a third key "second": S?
{"hour": 5, "minute": 19}
